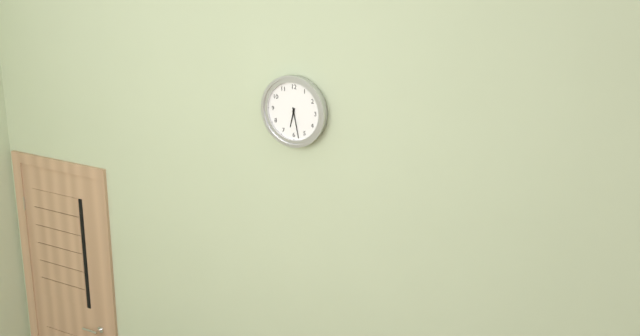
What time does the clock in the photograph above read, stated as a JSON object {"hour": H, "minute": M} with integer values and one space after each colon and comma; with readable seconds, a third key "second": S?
{"hour": 6, "minute": 28}
